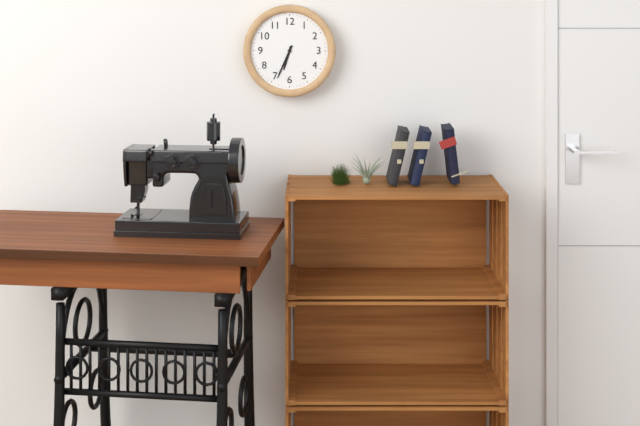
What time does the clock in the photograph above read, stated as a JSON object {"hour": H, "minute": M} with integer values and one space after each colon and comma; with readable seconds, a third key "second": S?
{"hour": 6, "minute": 34}
